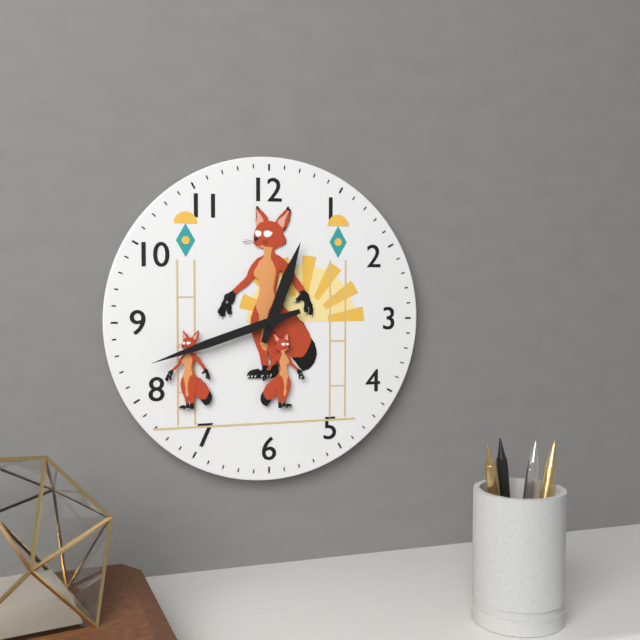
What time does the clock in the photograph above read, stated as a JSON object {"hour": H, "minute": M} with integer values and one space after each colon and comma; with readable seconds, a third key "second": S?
{"hour": 12, "minute": 42}
